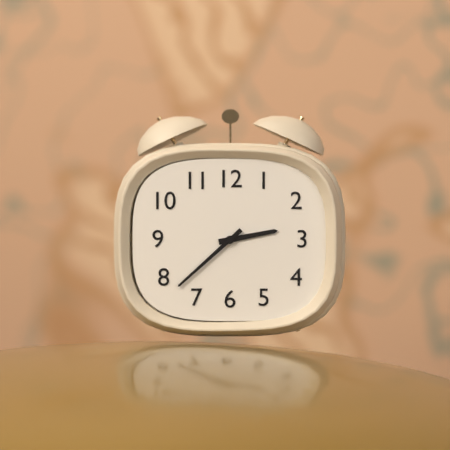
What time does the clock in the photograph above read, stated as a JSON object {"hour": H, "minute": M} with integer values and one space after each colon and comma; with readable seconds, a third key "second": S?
{"hour": 2, "minute": 38}
